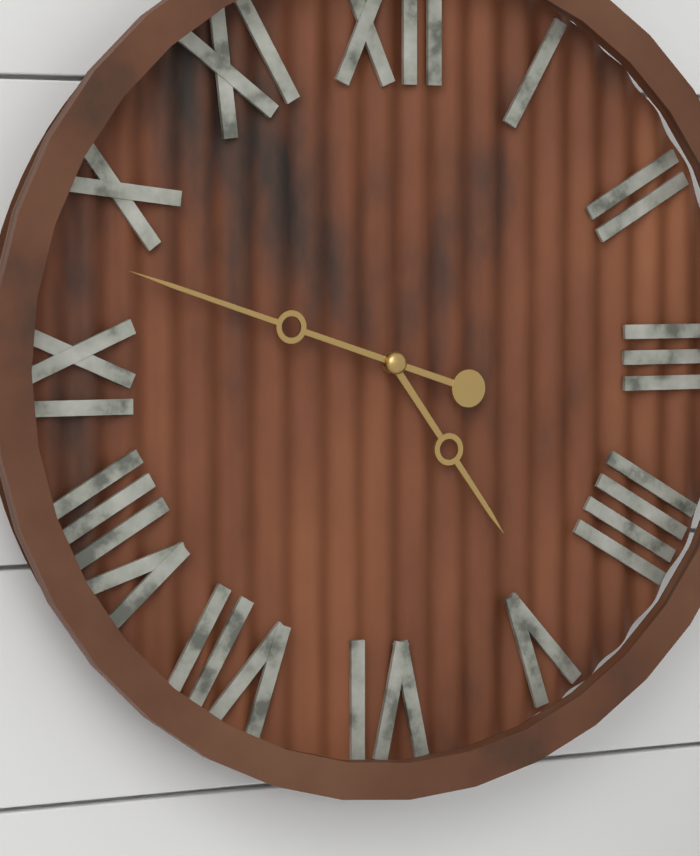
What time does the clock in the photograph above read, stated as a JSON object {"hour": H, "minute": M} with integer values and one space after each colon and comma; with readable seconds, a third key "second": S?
{"hour": 4, "minute": 48}
